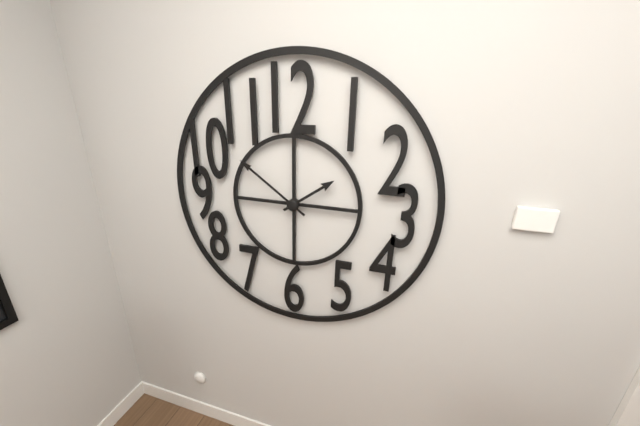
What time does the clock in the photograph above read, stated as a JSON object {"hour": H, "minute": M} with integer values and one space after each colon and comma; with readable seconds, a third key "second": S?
{"hour": 1, "minute": 51}
